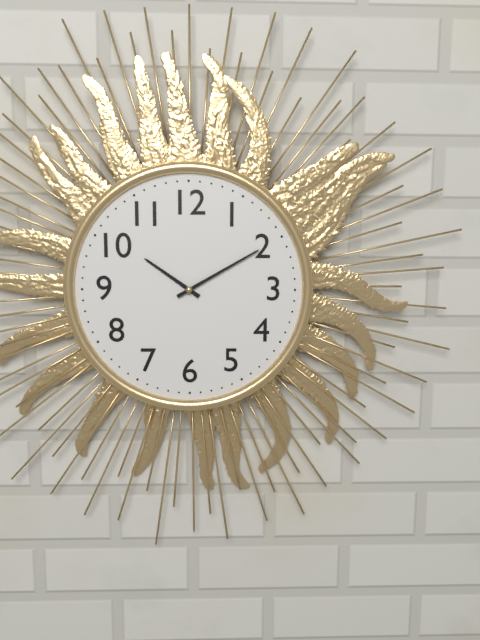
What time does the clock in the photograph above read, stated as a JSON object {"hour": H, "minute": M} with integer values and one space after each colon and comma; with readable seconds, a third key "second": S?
{"hour": 10, "minute": 10}
